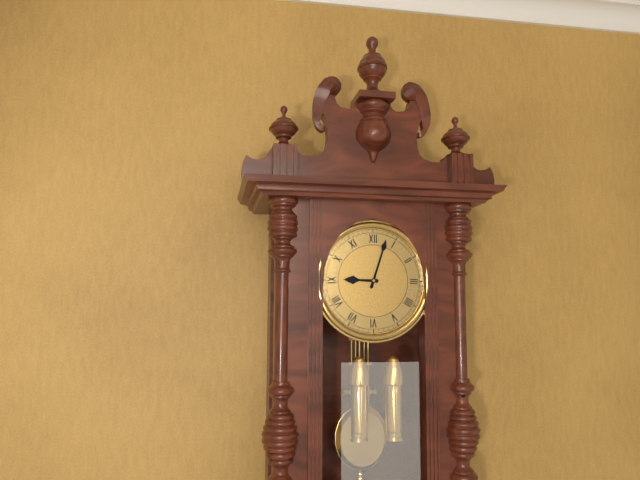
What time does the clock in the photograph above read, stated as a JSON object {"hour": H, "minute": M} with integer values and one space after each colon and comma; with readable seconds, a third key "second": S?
{"hour": 9, "minute": 3}
